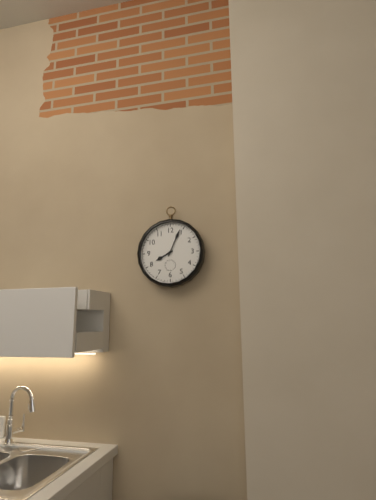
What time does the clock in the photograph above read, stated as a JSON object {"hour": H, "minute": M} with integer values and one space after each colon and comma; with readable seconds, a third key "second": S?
{"hour": 8, "minute": 4}
